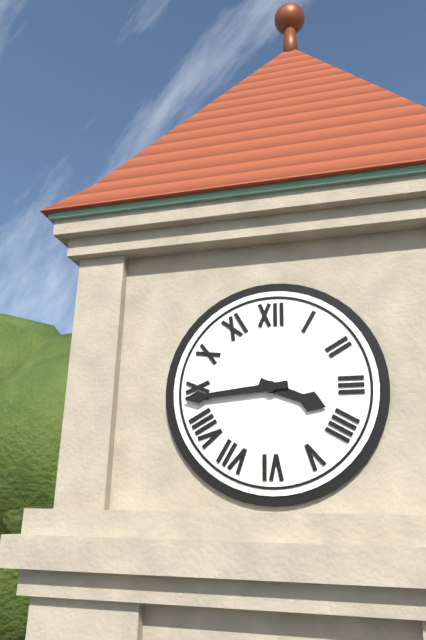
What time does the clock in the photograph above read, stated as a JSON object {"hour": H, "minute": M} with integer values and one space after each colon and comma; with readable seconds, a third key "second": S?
{"hour": 3, "minute": 44}
